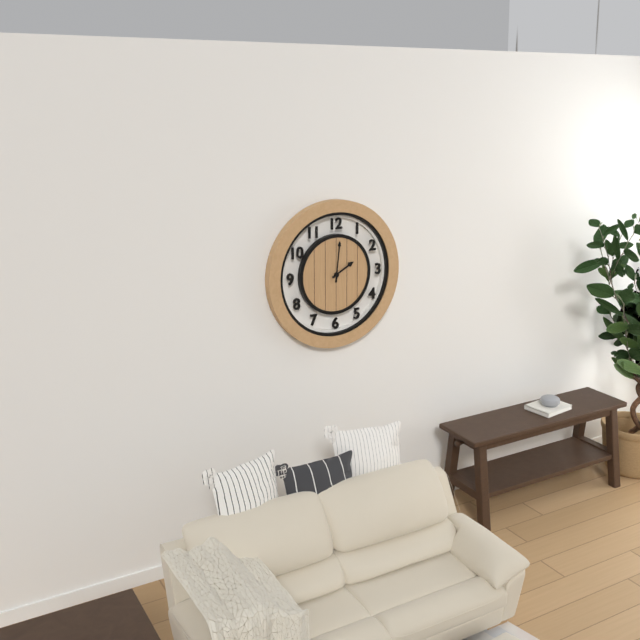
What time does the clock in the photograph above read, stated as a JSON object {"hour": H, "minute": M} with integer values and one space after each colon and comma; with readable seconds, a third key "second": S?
{"hour": 2, "minute": 1}
